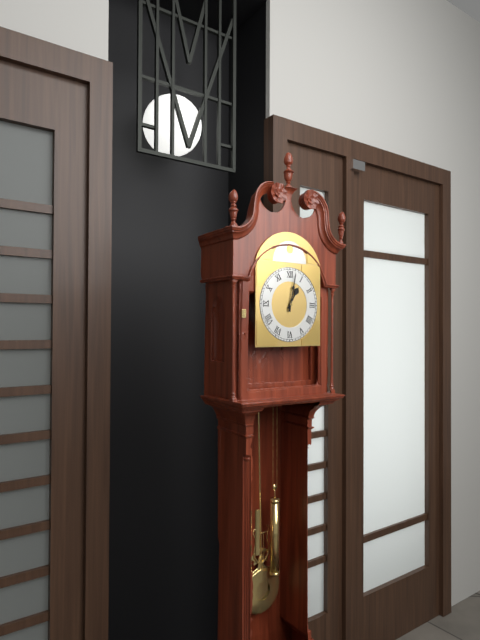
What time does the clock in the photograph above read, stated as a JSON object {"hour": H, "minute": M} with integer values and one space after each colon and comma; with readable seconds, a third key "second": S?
{"hour": 1, "minute": 2}
